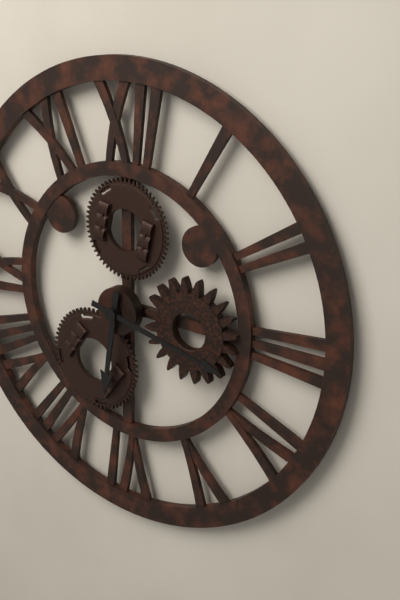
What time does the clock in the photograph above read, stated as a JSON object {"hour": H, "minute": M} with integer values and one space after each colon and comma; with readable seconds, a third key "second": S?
{"hour": 6, "minute": 17}
